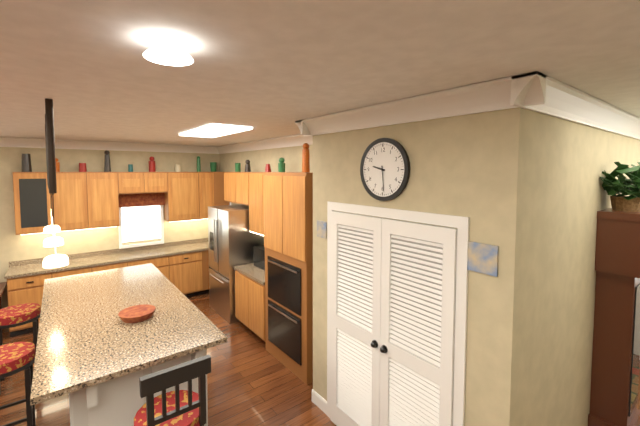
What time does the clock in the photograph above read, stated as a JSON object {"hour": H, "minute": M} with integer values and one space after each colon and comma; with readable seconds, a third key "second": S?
{"hour": 9, "minute": 29}
